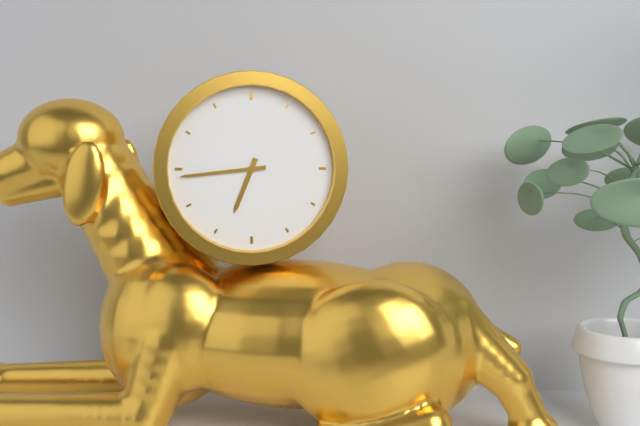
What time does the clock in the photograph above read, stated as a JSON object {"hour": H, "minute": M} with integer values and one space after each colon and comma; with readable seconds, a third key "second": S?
{"hour": 6, "minute": 44}
